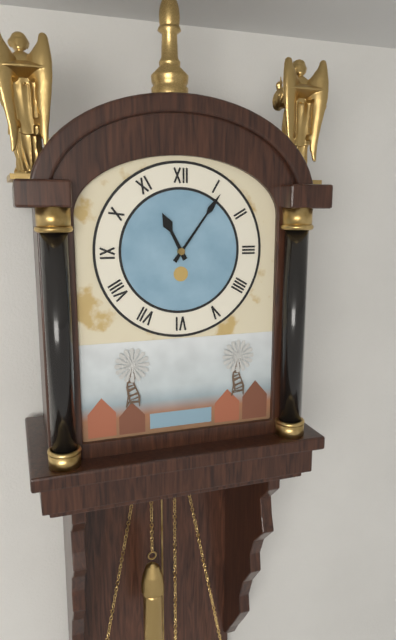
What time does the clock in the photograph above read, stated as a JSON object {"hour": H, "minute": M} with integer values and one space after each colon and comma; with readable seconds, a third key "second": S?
{"hour": 11, "minute": 6}
